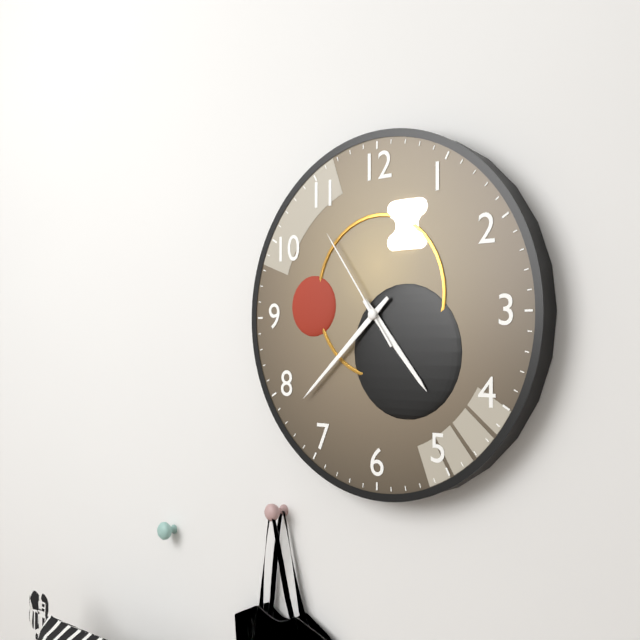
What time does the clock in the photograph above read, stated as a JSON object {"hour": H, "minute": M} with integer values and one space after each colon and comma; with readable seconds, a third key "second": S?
{"hour": 4, "minute": 38, "second": 54}
